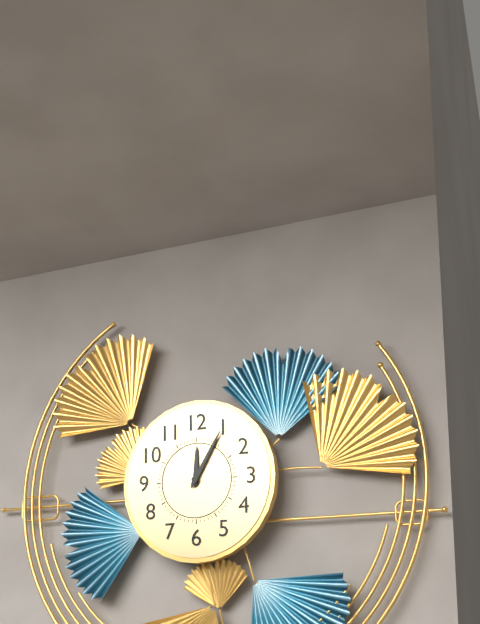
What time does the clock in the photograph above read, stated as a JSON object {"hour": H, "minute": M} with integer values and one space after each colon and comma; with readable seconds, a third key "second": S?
{"hour": 12, "minute": 5}
